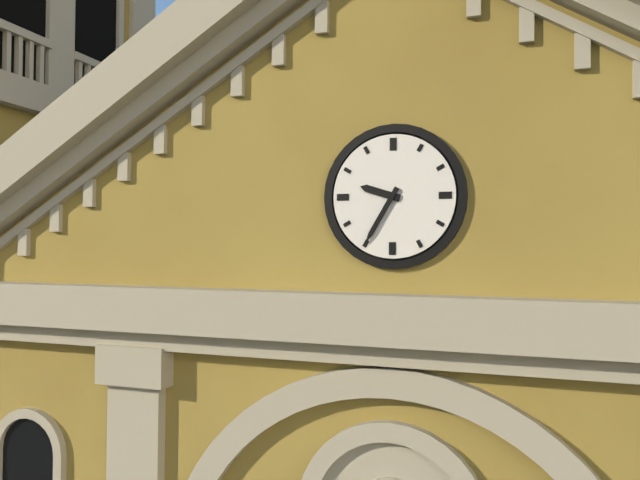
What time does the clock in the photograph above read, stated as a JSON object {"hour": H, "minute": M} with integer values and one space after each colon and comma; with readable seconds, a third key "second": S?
{"hour": 9, "minute": 35}
